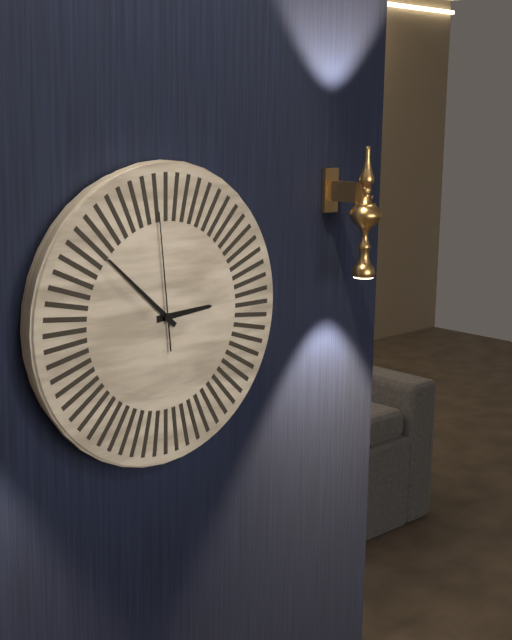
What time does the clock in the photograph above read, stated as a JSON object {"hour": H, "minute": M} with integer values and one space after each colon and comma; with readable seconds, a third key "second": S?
{"hour": 2, "minute": 52, "second": 59}
